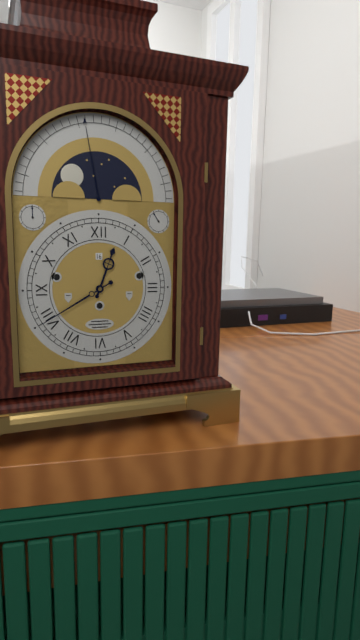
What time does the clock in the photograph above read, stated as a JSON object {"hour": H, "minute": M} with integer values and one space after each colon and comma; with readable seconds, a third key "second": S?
{"hour": 12, "minute": 40}
